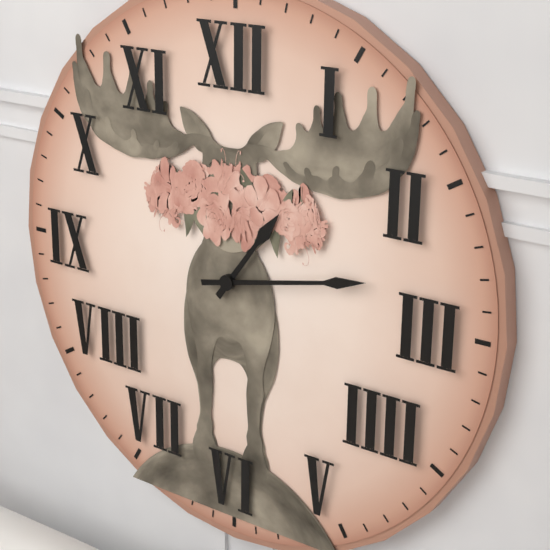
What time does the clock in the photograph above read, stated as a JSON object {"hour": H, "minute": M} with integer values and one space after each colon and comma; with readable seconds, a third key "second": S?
{"hour": 1, "minute": 13}
